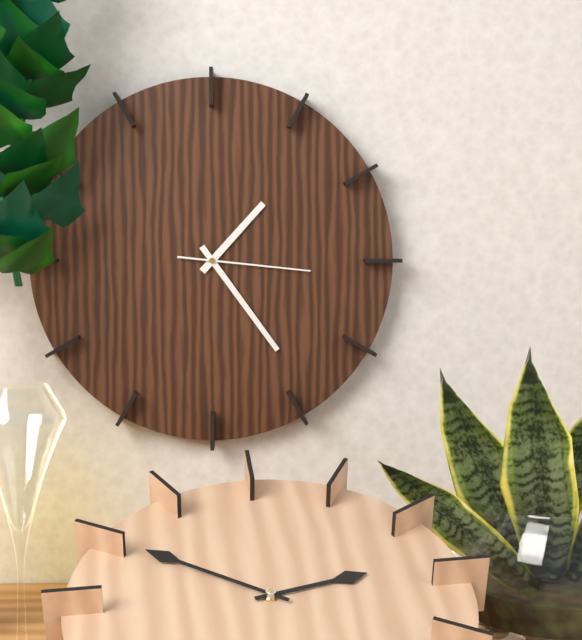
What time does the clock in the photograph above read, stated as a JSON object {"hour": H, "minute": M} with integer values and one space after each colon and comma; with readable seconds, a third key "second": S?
{"hour": 1, "minute": 24, "second": 16}
